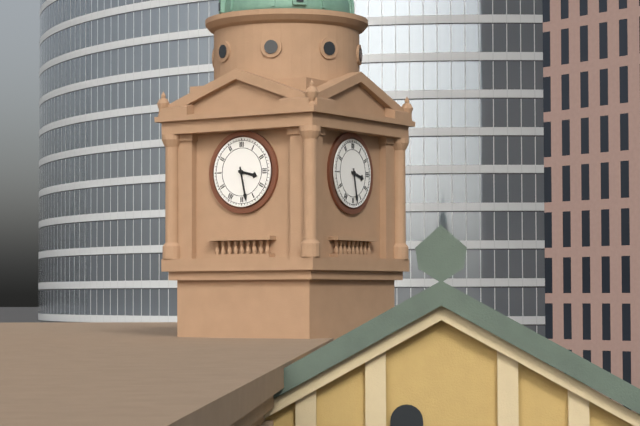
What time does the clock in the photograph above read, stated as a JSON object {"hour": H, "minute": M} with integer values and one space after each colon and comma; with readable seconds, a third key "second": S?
{"hour": 3, "minute": 28}
